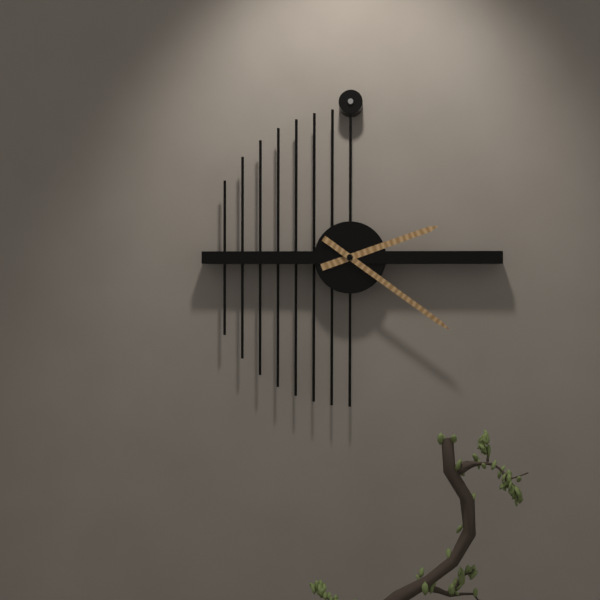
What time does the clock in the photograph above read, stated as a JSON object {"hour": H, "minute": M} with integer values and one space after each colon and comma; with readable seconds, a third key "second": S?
{"hour": 2, "minute": 21}
